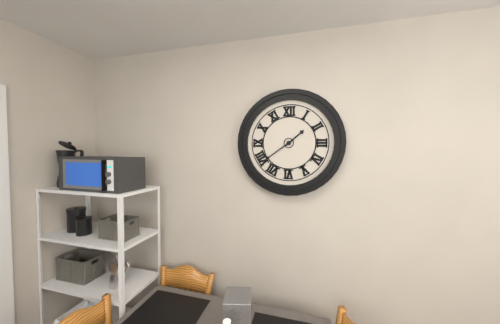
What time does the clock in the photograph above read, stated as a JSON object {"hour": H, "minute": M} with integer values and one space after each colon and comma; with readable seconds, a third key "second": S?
{"hour": 1, "minute": 39}
